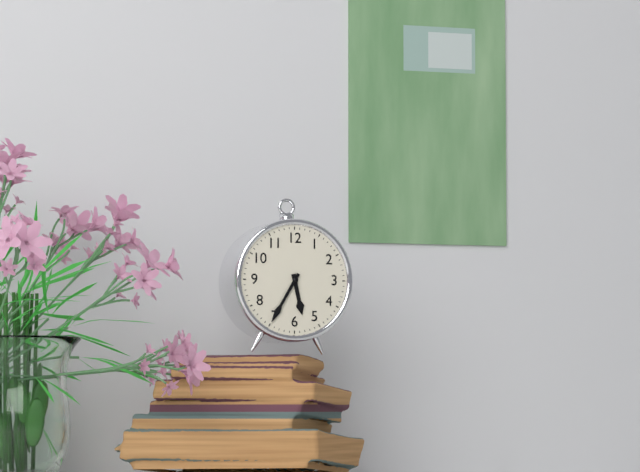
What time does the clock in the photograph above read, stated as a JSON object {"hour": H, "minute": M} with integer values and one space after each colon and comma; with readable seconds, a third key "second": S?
{"hour": 5, "minute": 35}
